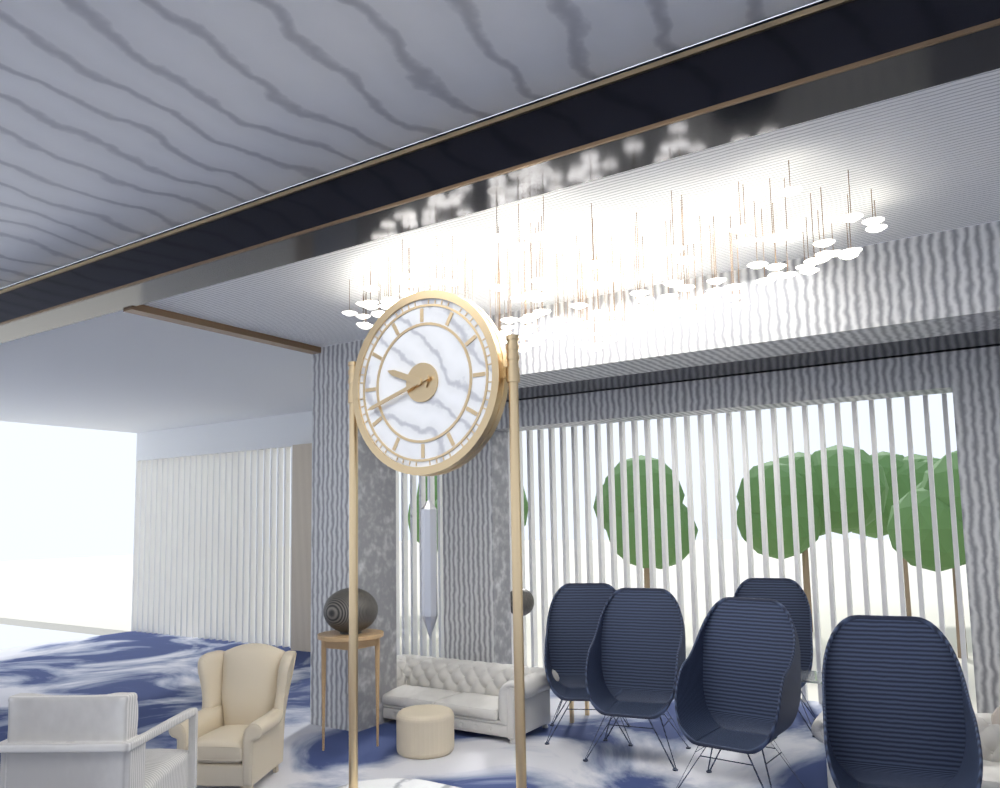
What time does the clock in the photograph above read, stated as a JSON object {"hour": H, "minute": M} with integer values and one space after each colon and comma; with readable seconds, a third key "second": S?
{"hour": 9, "minute": 42}
